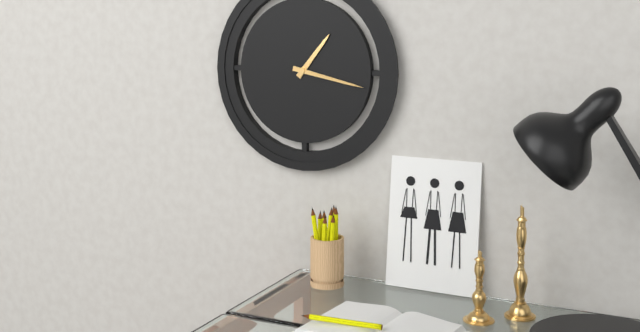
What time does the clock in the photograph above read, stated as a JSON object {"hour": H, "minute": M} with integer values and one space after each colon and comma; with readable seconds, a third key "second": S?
{"hour": 1, "minute": 17}
